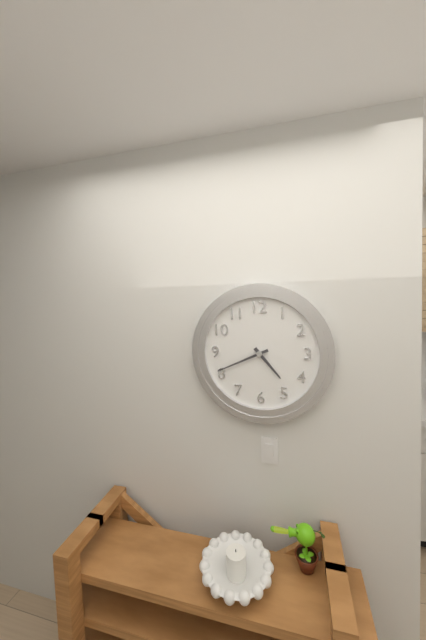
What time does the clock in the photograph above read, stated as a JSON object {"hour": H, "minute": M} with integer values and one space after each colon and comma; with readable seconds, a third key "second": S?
{"hour": 4, "minute": 41}
